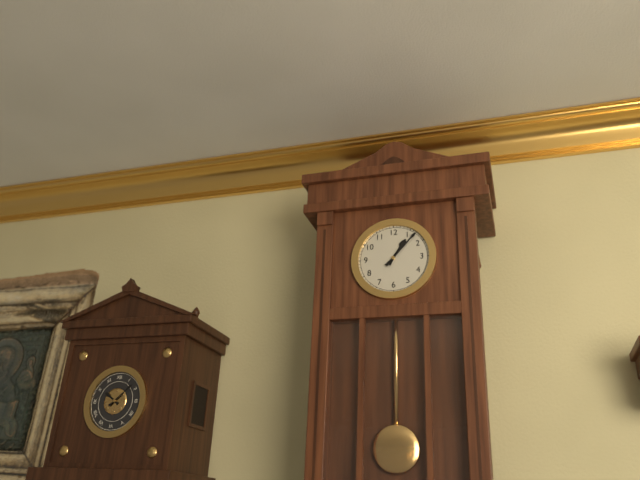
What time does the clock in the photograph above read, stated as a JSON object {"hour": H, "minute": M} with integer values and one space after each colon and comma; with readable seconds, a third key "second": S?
{"hour": 1, "minute": 7}
